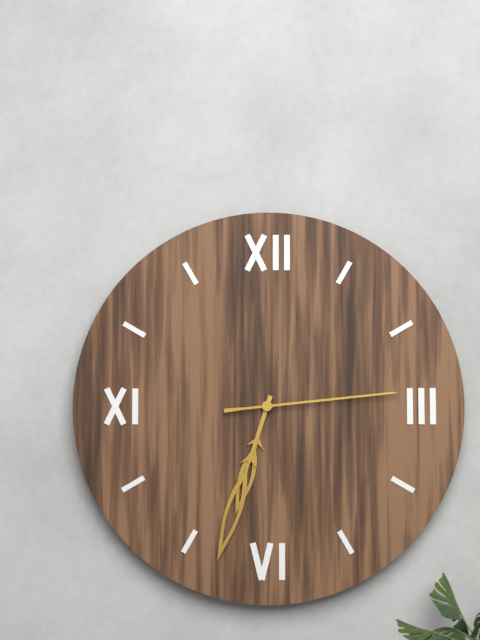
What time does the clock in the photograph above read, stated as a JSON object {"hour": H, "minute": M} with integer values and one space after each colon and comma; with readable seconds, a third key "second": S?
{"hour": 6, "minute": 33, "second": 14}
